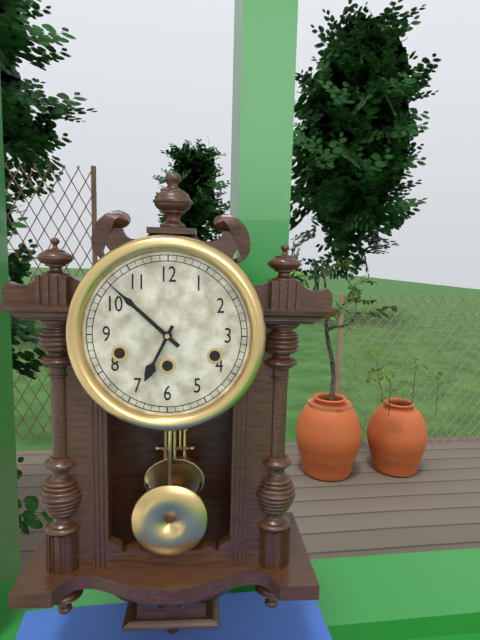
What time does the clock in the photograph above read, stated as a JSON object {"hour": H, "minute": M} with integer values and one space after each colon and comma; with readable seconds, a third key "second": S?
{"hour": 6, "minute": 52}
